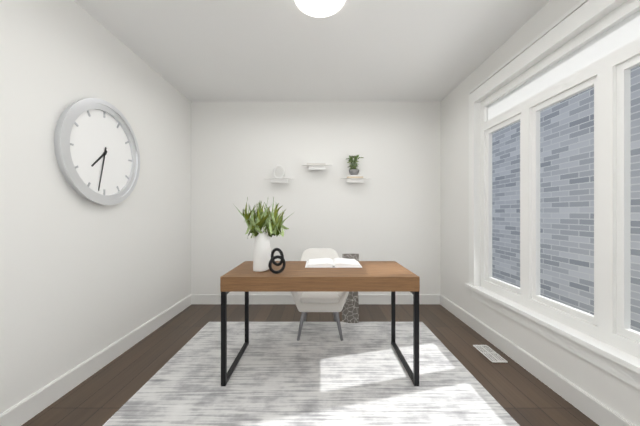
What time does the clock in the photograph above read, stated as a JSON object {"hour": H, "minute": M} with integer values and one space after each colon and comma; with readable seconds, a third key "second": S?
{"hour": 7, "minute": 32}
